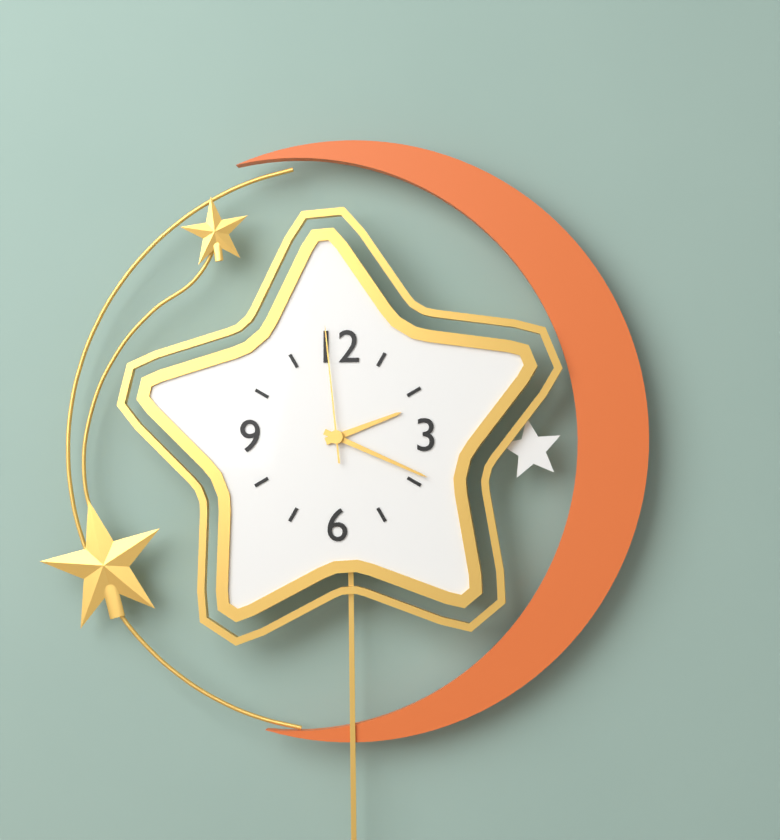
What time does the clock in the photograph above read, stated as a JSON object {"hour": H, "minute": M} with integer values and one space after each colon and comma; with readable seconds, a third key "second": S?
{"hour": 2, "minute": 19, "second": 59}
